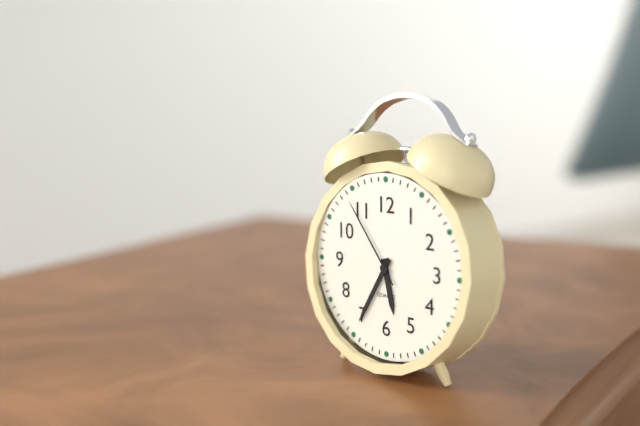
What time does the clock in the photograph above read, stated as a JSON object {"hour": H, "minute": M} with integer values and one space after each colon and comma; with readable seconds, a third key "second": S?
{"hour": 5, "minute": 35, "second": 54}
